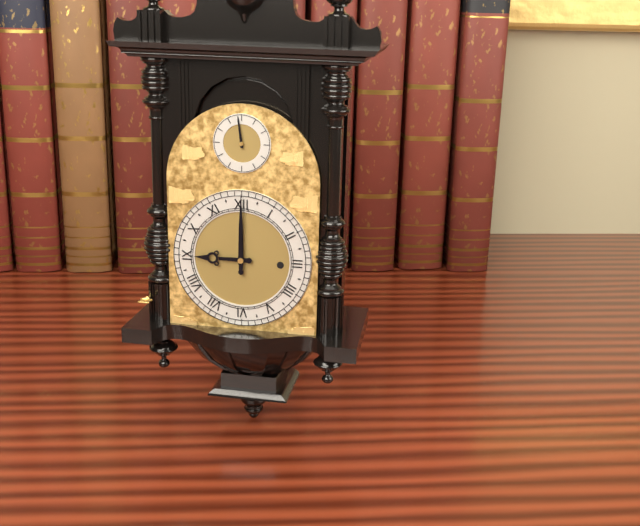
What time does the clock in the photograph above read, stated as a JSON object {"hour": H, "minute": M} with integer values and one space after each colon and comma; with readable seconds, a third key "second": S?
{"hour": 9, "minute": 0}
